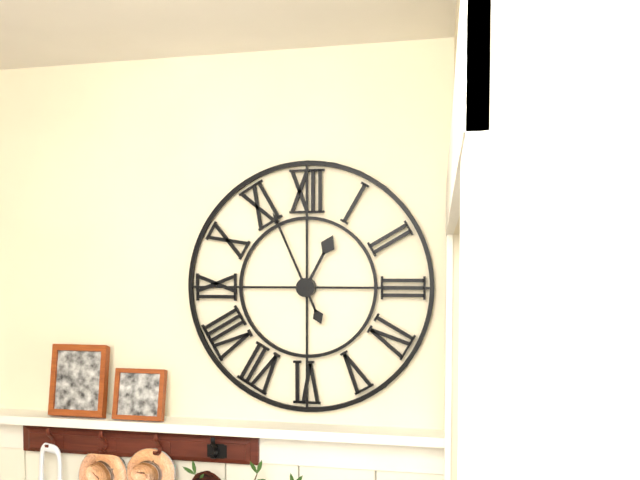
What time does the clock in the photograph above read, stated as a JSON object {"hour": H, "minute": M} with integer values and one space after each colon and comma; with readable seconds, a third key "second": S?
{"hour": 12, "minute": 56}
